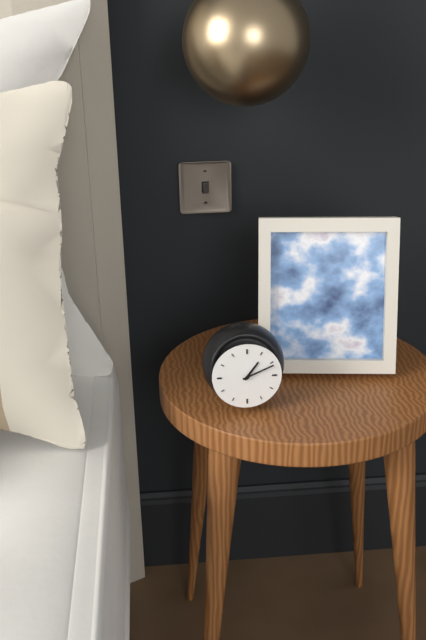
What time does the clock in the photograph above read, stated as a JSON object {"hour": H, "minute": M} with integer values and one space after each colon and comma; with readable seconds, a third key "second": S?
{"hour": 1, "minute": 11}
